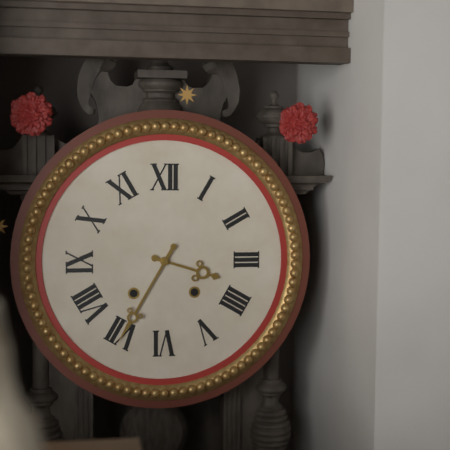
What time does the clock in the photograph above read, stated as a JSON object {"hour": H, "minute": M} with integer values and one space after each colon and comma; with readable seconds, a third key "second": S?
{"hour": 3, "minute": 35}
